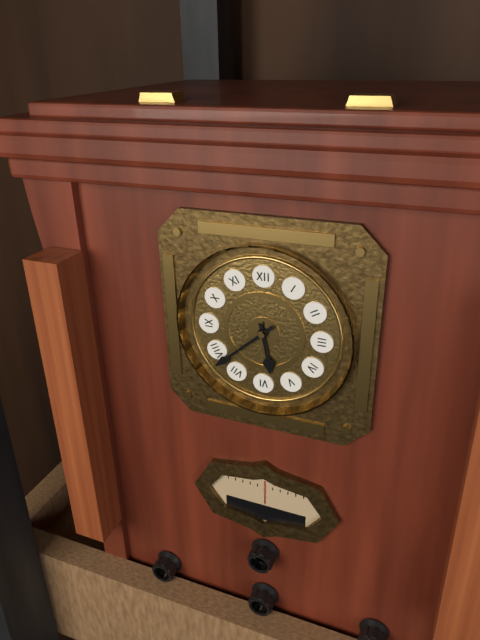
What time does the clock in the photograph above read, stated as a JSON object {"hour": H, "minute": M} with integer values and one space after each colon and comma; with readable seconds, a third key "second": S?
{"hour": 5, "minute": 38}
